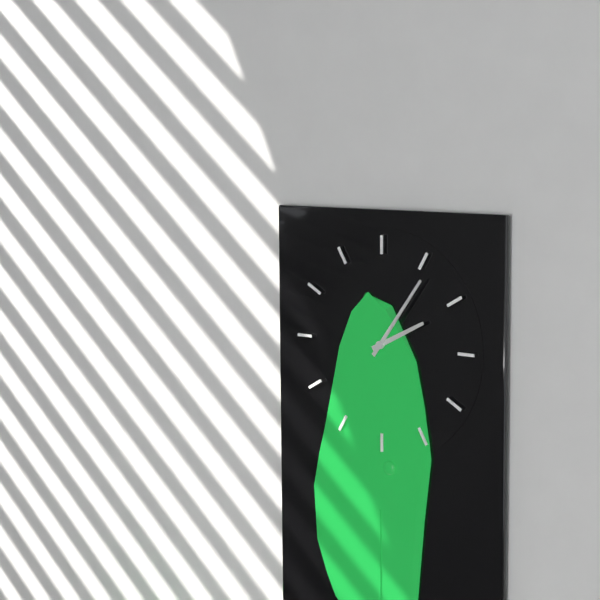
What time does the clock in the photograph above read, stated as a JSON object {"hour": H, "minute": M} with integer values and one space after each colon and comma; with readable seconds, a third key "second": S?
{"hour": 2, "minute": 6}
